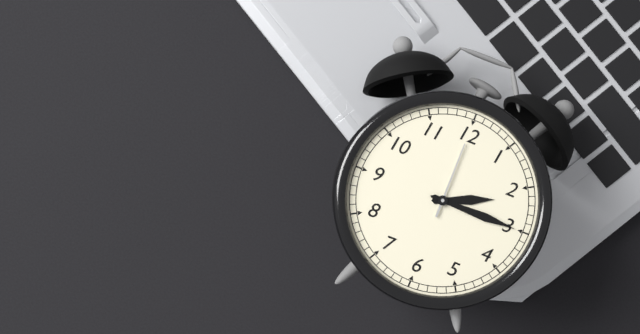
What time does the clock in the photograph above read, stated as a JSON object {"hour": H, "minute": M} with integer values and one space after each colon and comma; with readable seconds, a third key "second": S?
{"hour": 2, "minute": 15, "second": 0}
